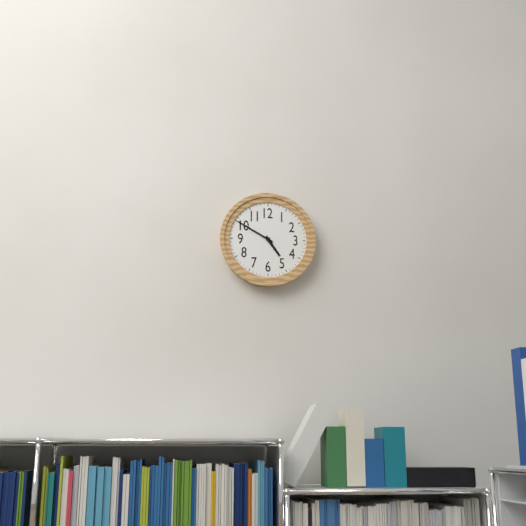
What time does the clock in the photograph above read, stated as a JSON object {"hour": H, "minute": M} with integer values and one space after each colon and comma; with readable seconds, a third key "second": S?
{"hour": 4, "minute": 50}
